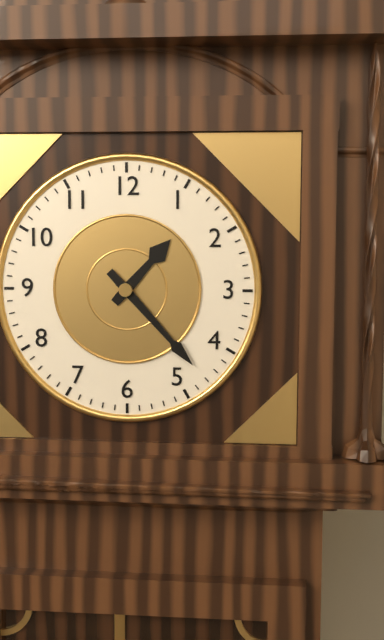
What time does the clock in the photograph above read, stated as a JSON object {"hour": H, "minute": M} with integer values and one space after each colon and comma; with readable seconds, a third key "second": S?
{"hour": 1, "minute": 23}
